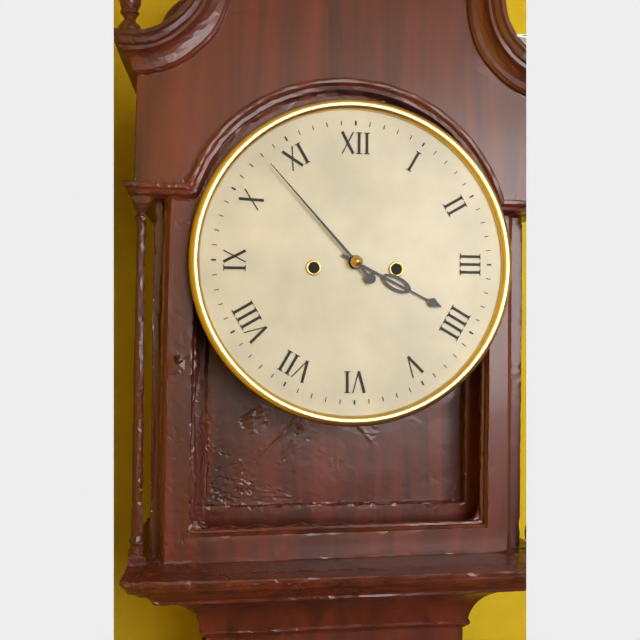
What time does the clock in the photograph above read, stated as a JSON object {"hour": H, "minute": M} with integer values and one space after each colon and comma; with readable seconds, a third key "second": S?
{"hour": 3, "minute": 53}
